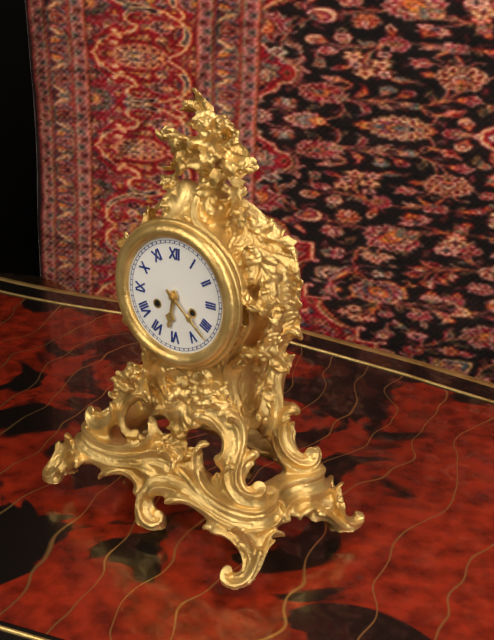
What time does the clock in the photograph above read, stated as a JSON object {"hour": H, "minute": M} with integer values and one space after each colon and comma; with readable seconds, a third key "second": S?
{"hour": 6, "minute": 22}
